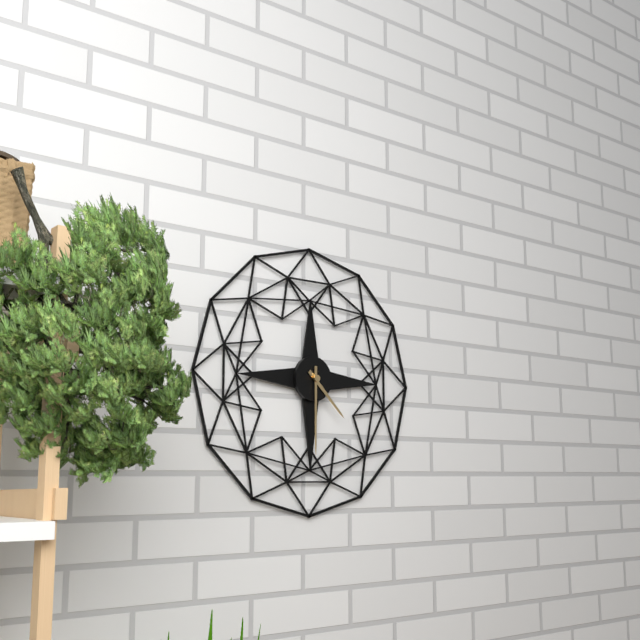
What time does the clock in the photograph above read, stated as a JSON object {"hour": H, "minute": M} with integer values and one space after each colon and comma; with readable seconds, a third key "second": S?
{"hour": 4, "minute": 30}
